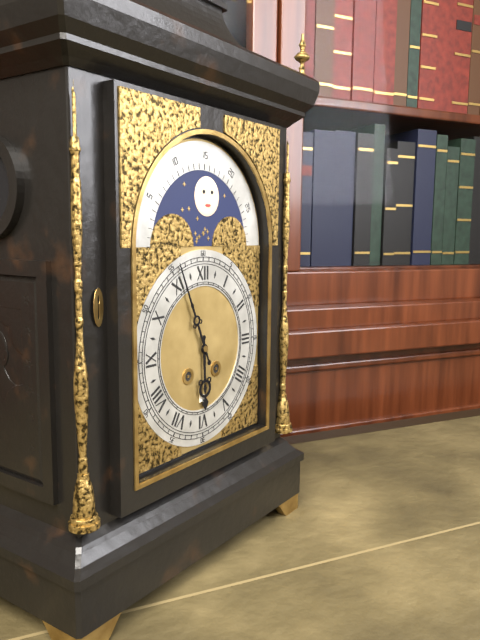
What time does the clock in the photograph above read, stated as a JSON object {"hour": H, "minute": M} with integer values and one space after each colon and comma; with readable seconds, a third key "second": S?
{"hour": 5, "minute": 56}
